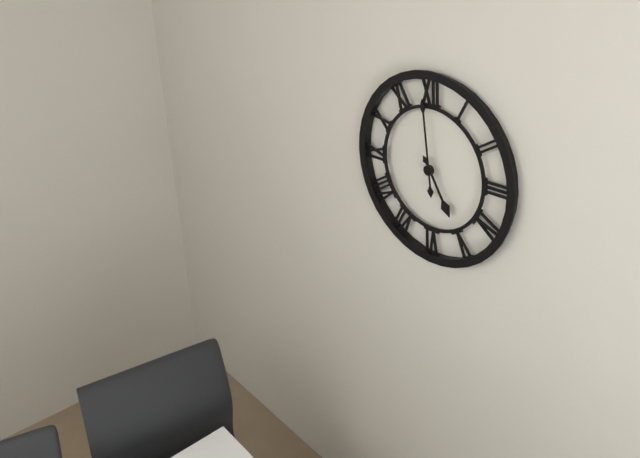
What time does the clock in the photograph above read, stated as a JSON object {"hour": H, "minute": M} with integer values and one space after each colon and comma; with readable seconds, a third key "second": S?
{"hour": 4, "minute": 59}
